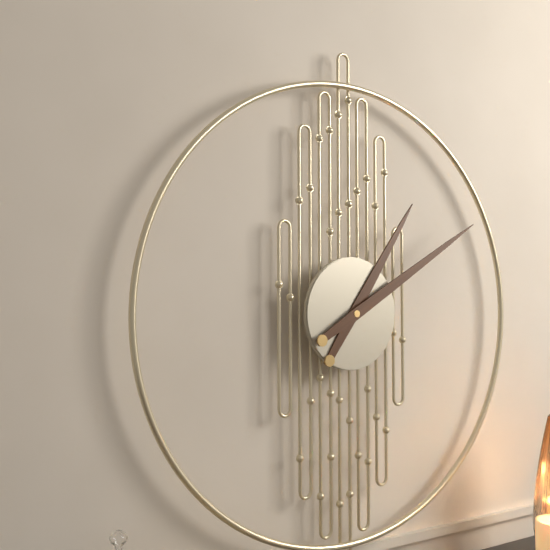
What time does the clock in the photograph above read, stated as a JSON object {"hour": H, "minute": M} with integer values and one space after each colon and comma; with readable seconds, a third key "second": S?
{"hour": 1, "minute": 10}
